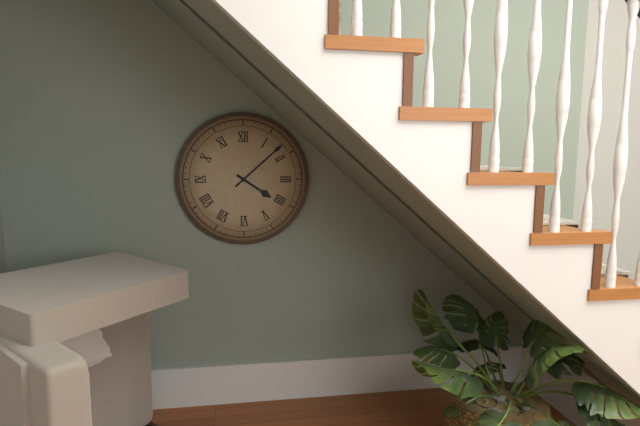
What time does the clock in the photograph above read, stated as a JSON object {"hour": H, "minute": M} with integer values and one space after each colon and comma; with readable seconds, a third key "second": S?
{"hour": 4, "minute": 8}
